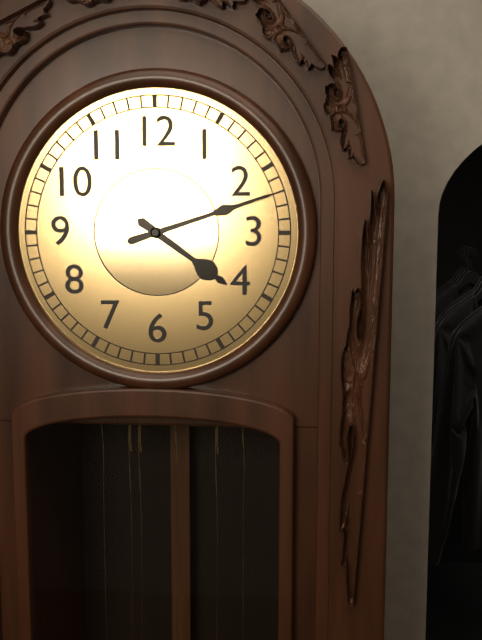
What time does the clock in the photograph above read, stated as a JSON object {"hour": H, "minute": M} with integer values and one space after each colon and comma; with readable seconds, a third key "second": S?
{"hour": 4, "minute": 12}
